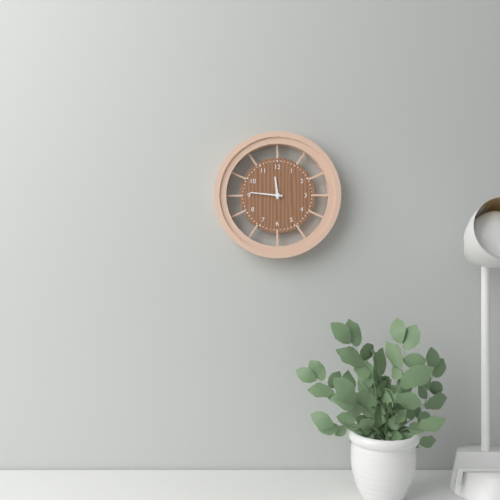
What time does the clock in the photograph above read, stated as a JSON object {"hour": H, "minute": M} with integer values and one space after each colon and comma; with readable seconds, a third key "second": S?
{"hour": 11, "minute": 46}
